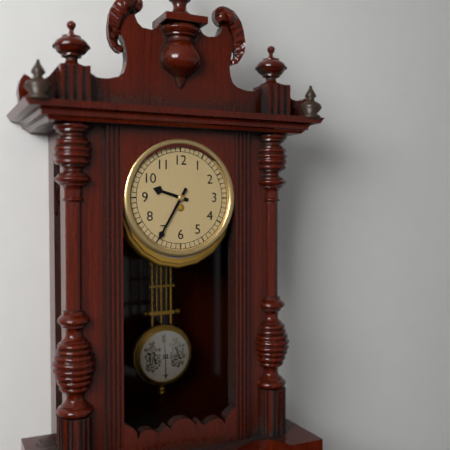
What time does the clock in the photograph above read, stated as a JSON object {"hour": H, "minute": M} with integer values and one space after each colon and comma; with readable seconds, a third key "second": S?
{"hour": 9, "minute": 35}
